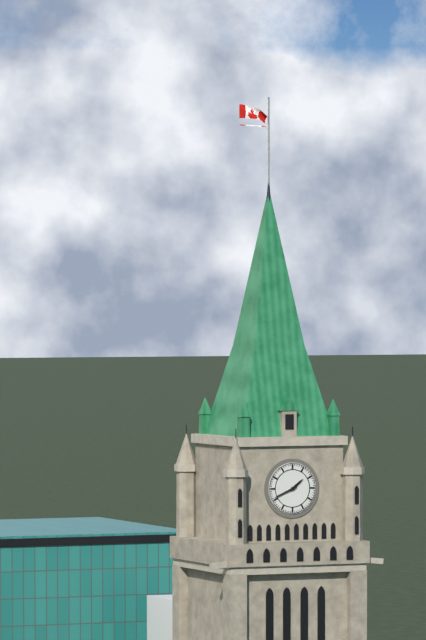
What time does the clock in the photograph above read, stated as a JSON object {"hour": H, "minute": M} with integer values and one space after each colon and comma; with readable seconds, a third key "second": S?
{"hour": 1, "minute": 41}
